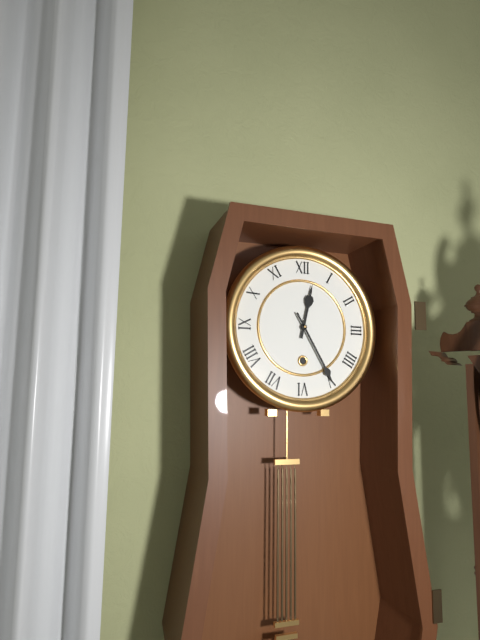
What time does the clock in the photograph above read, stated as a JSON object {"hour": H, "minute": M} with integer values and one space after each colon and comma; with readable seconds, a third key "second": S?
{"hour": 12, "minute": 25}
